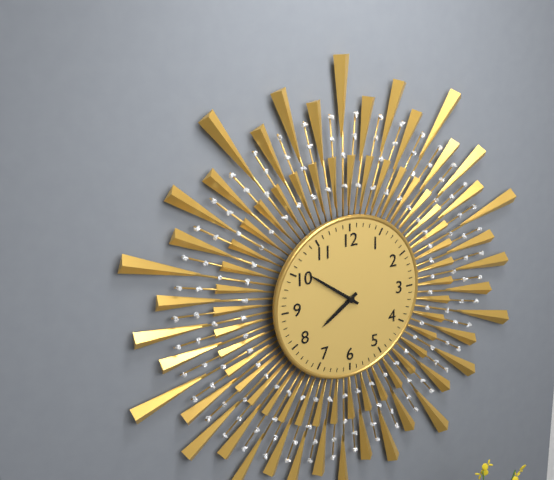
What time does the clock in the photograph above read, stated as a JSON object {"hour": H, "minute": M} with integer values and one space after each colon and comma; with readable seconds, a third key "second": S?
{"hour": 7, "minute": 51}
